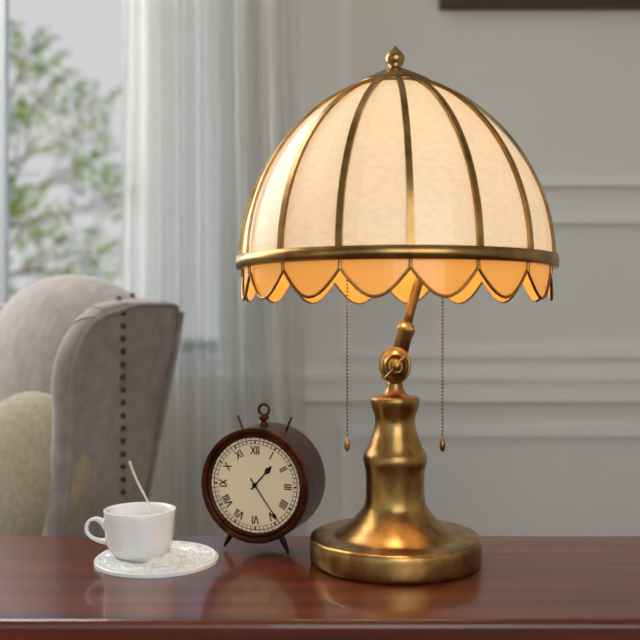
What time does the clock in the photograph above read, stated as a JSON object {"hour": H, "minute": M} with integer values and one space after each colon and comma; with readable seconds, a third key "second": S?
{"hour": 1, "minute": 24}
